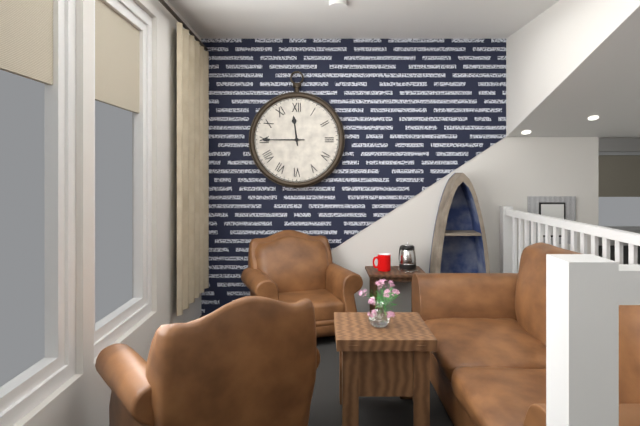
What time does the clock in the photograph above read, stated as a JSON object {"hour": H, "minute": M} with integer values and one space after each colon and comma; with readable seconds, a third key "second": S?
{"hour": 11, "minute": 45}
